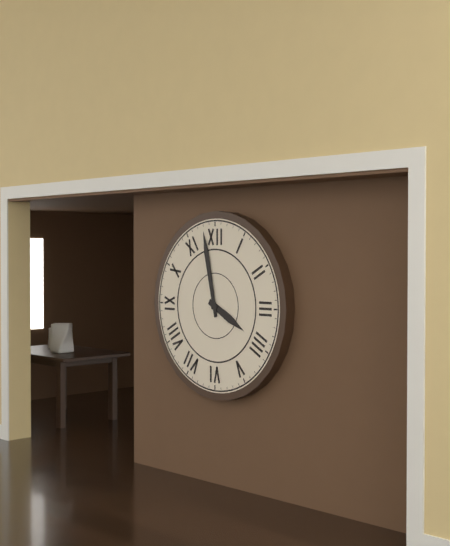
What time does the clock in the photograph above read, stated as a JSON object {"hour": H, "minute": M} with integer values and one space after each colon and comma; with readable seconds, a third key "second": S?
{"hour": 3, "minute": 58}
